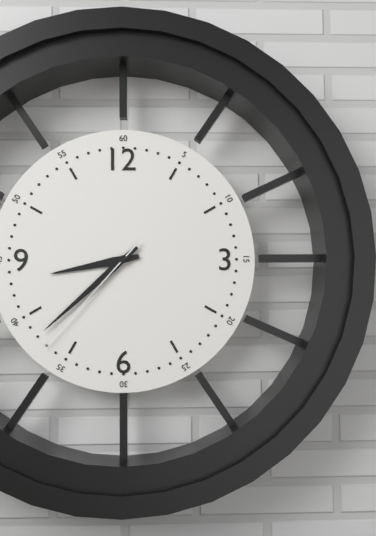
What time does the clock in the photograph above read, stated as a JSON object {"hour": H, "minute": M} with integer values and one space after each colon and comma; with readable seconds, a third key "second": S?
{"hour": 8, "minute": 38, "second": 37}
